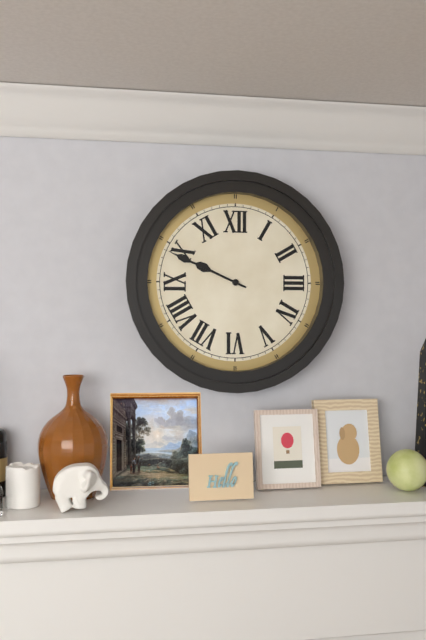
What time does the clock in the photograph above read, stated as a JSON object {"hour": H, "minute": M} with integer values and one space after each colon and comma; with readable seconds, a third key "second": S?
{"hour": 9, "minute": 49}
